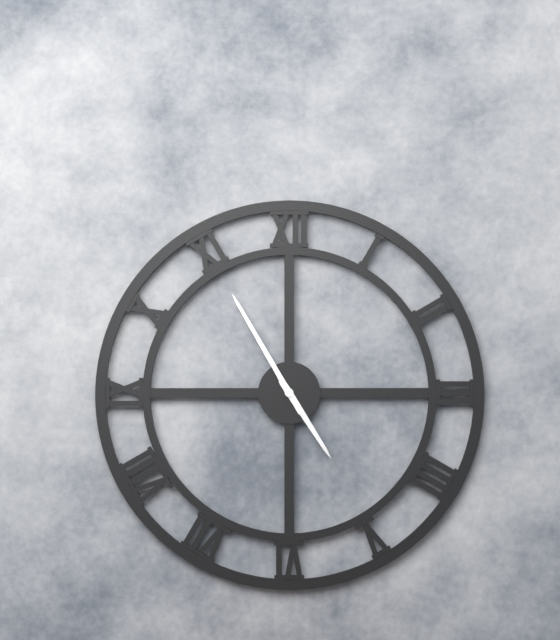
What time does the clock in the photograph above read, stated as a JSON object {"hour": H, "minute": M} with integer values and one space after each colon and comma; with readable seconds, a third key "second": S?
{"hour": 4, "minute": 55, "second": 55}
